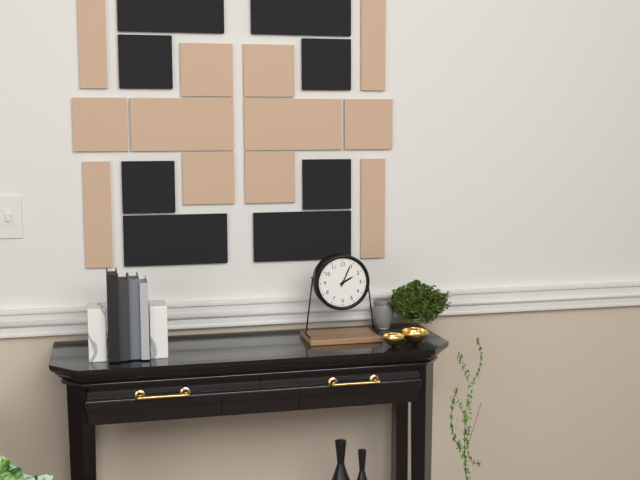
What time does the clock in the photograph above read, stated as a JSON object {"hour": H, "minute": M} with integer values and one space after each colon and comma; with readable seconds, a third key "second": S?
{"hour": 2, "minute": 4}
